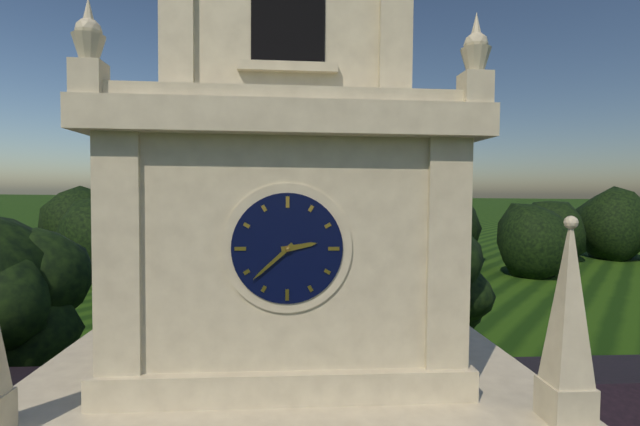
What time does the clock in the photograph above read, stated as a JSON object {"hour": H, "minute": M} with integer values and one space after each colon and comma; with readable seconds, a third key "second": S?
{"hour": 2, "minute": 38}
